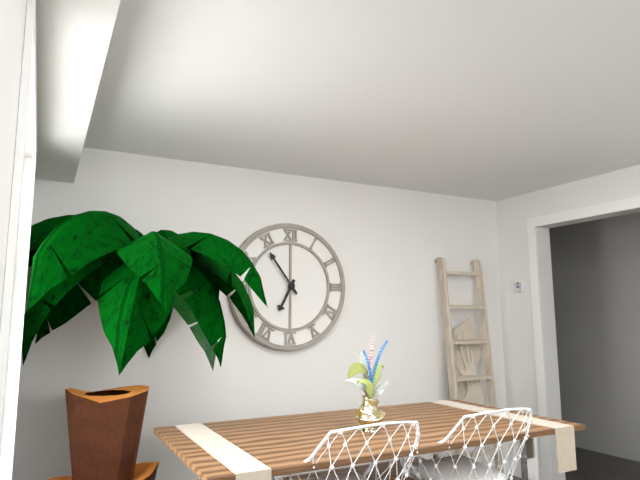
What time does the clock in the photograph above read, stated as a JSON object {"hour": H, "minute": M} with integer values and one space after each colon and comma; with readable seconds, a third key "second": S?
{"hour": 6, "minute": 54}
